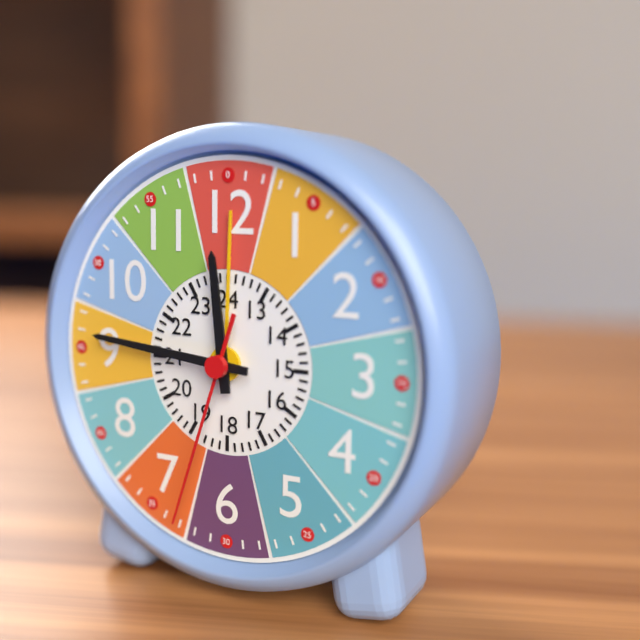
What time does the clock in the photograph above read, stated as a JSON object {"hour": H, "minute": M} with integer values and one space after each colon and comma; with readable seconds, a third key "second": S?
{"hour": 11, "minute": 46, "second": 33}
